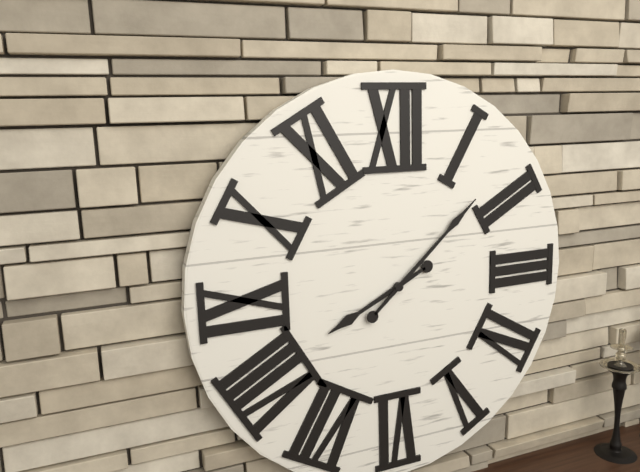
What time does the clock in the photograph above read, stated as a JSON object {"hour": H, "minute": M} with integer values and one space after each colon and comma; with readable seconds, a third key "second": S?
{"hour": 8, "minute": 8}
